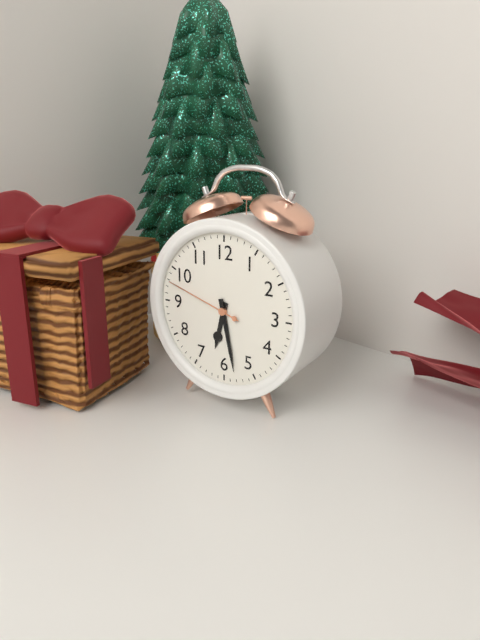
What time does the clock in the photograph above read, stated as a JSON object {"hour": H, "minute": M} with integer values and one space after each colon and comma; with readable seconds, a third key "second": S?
{"hour": 6, "minute": 28, "second": 48}
